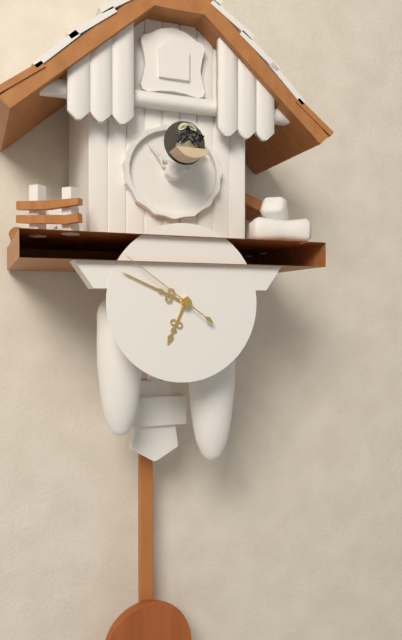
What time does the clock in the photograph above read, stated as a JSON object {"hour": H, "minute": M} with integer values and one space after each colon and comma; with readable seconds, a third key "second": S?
{"hour": 6, "minute": 49, "second": 51}
